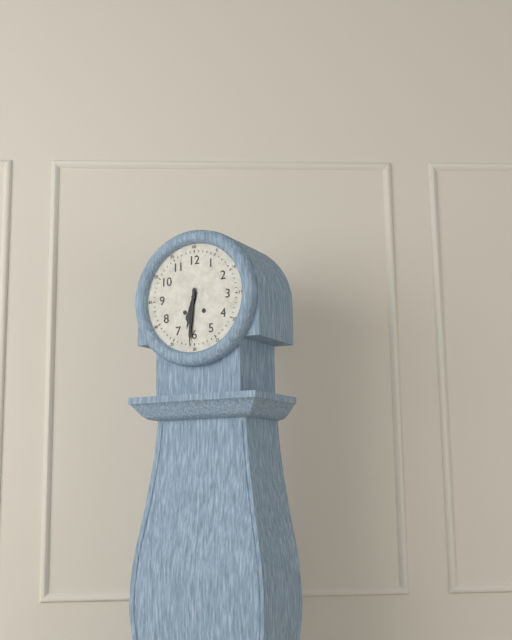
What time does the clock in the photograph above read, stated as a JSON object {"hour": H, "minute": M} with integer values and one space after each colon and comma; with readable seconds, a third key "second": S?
{"hour": 6, "minute": 31}
